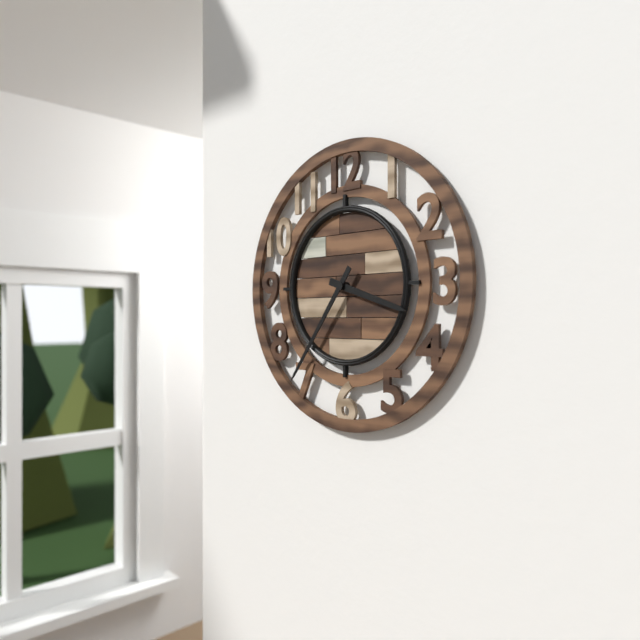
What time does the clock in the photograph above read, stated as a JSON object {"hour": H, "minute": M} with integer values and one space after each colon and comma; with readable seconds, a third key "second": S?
{"hour": 3, "minute": 36}
